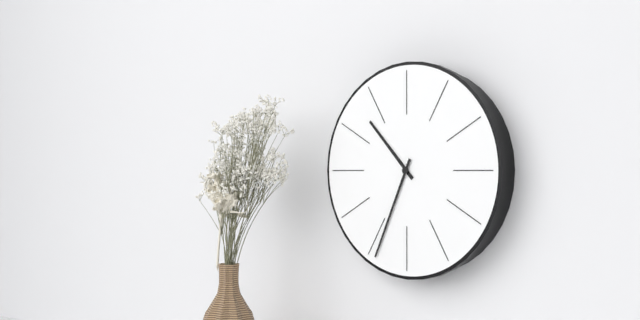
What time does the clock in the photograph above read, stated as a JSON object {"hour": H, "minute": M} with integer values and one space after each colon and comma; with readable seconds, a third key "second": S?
{"hour": 10, "minute": 34}
